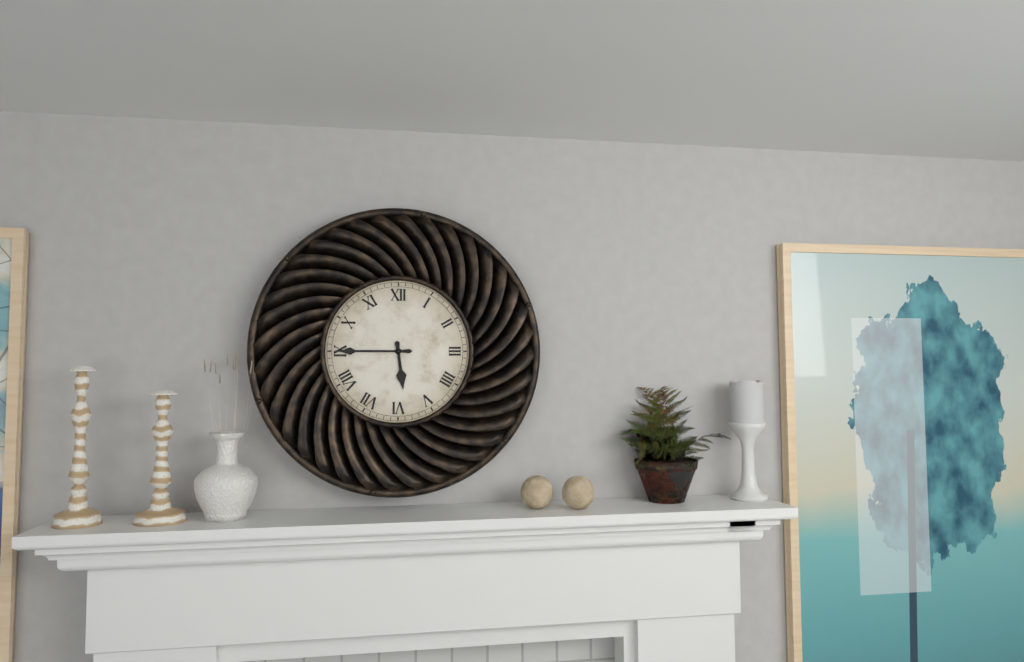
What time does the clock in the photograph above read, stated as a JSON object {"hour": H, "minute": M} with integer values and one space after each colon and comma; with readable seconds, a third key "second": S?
{"hour": 5, "minute": 45}
